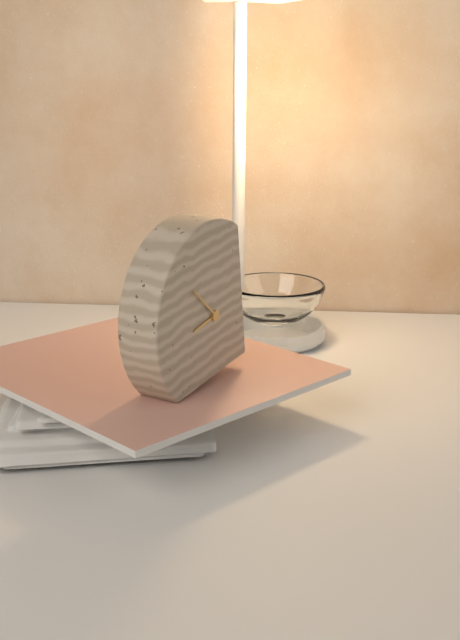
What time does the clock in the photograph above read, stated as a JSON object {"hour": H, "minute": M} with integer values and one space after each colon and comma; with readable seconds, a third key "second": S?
{"hour": 8, "minute": 53}
